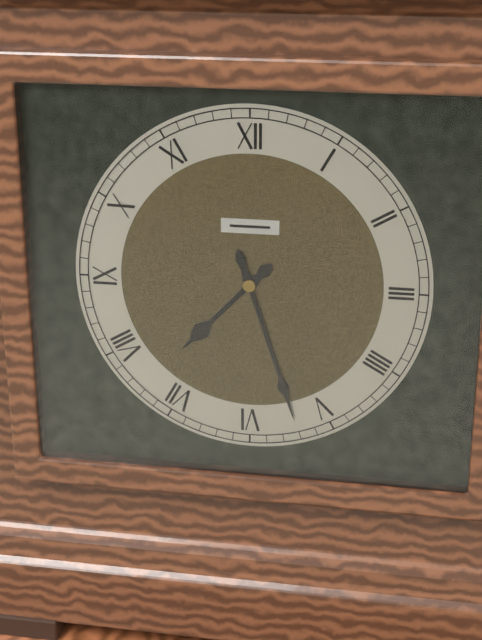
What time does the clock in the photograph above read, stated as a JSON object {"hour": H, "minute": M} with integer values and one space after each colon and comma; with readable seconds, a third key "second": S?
{"hour": 7, "minute": 27}
